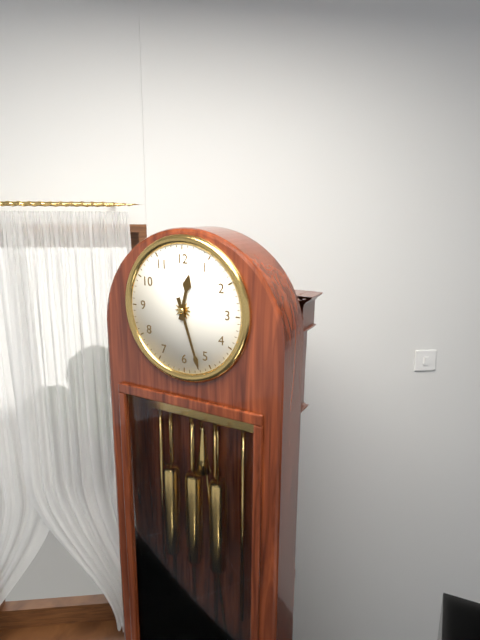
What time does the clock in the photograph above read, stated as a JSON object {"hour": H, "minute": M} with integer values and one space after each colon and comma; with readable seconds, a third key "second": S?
{"hour": 12, "minute": 27}
